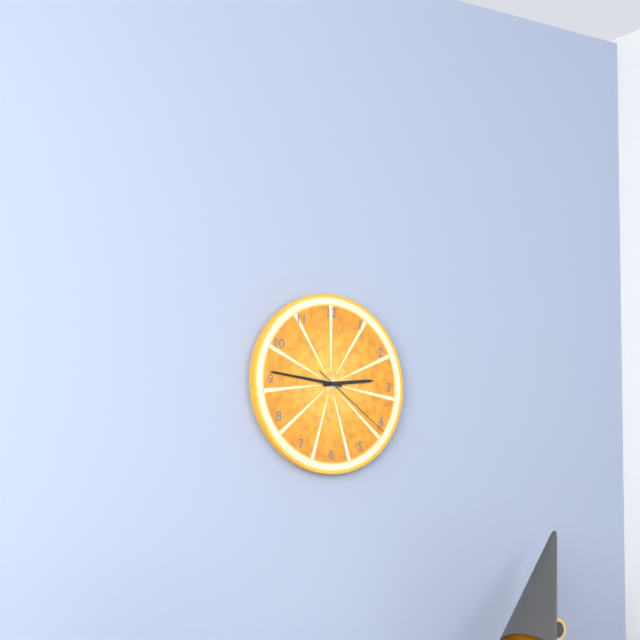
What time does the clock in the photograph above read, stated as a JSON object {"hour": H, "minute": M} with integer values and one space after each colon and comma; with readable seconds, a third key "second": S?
{"hour": 2, "minute": 46, "second": 21}
